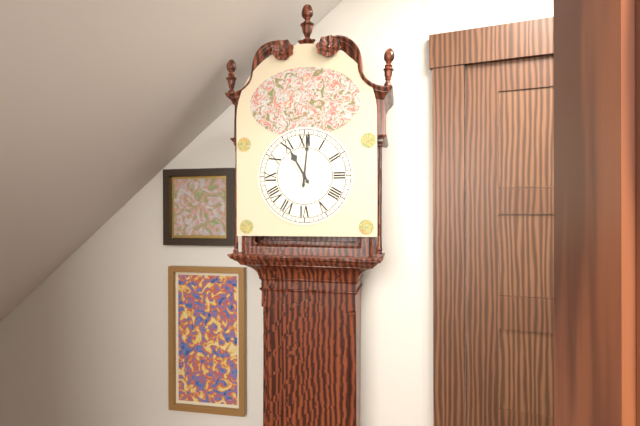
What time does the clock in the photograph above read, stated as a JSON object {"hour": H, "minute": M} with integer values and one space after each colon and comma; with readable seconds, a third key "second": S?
{"hour": 11, "minute": 1}
